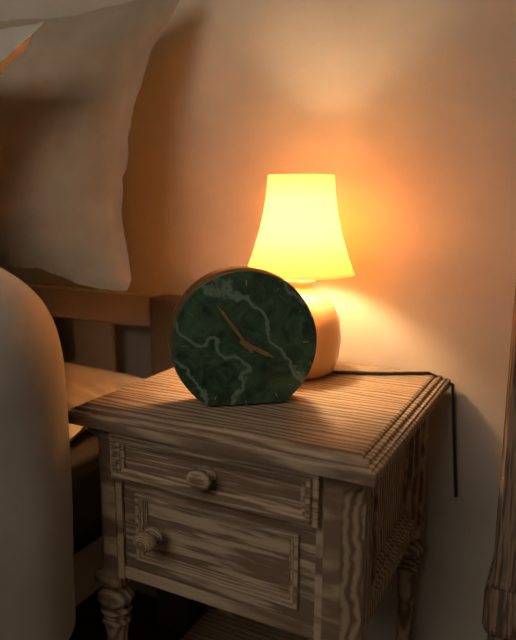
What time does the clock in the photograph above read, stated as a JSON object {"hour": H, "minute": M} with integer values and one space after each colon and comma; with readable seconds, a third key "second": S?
{"hour": 3, "minute": 54}
